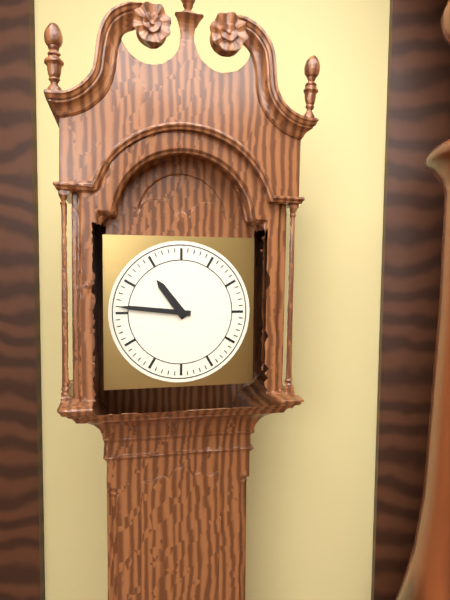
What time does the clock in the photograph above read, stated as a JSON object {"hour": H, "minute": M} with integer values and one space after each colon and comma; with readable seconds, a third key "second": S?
{"hour": 10, "minute": 46}
